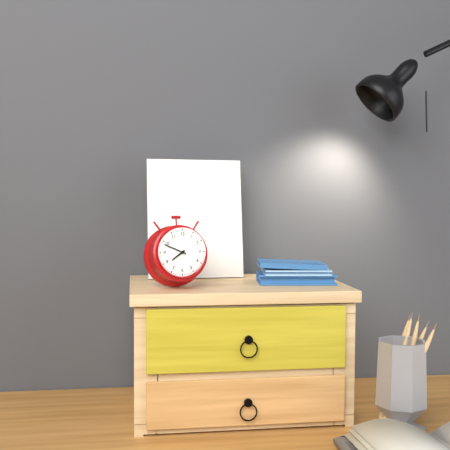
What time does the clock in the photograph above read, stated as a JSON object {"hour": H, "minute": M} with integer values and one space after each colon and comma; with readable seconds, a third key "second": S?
{"hour": 7, "minute": 49}
